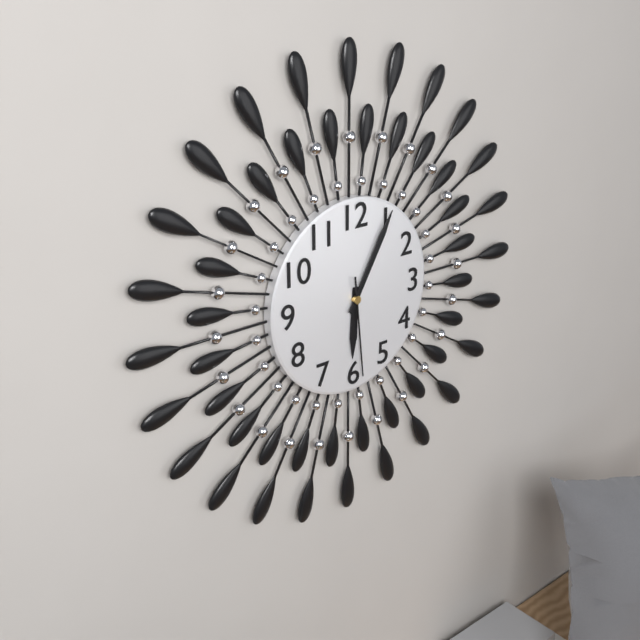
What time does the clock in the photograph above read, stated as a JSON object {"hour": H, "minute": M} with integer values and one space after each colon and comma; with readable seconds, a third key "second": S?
{"hour": 6, "minute": 5, "second": 29}
